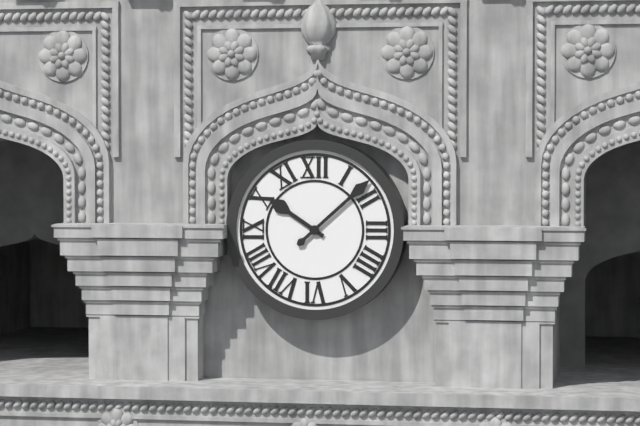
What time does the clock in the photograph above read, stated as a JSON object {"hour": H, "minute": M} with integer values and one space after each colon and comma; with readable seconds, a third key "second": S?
{"hour": 10, "minute": 8}
